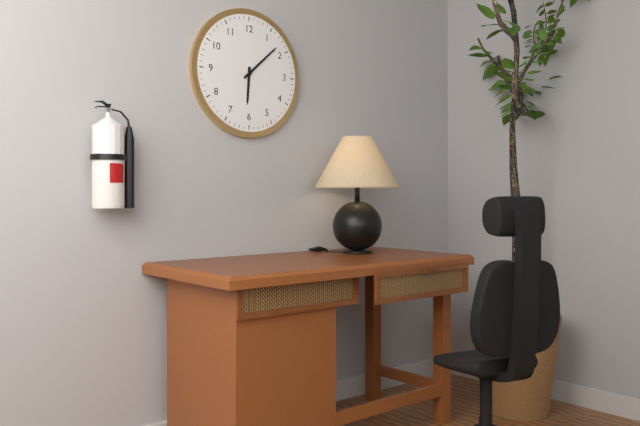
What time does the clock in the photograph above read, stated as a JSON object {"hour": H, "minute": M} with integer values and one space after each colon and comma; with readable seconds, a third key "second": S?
{"hour": 6, "minute": 8}
